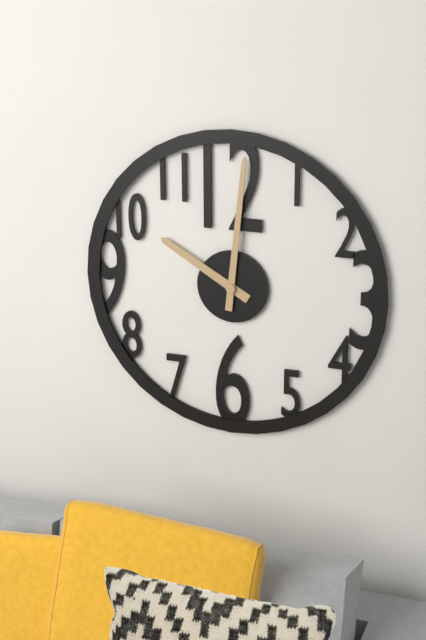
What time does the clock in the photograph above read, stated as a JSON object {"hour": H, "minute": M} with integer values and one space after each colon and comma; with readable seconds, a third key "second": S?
{"hour": 10, "minute": 1}
